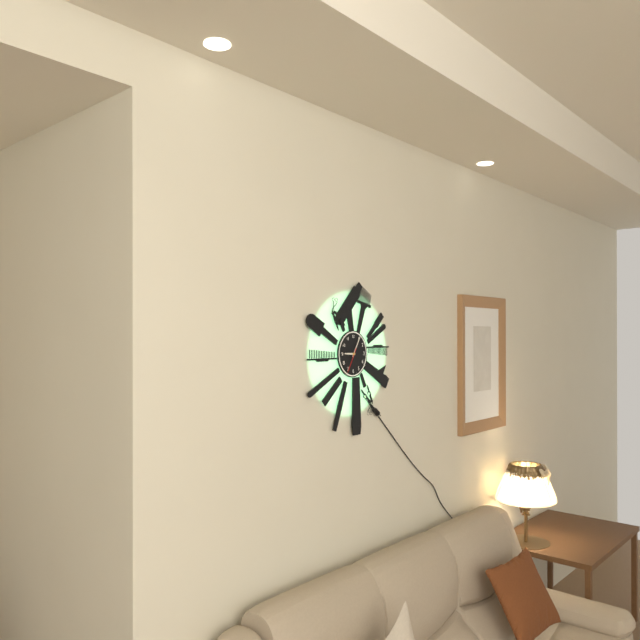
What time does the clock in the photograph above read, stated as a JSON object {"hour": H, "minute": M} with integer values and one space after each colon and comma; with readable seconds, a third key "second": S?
{"hour": 9, "minute": 5}
